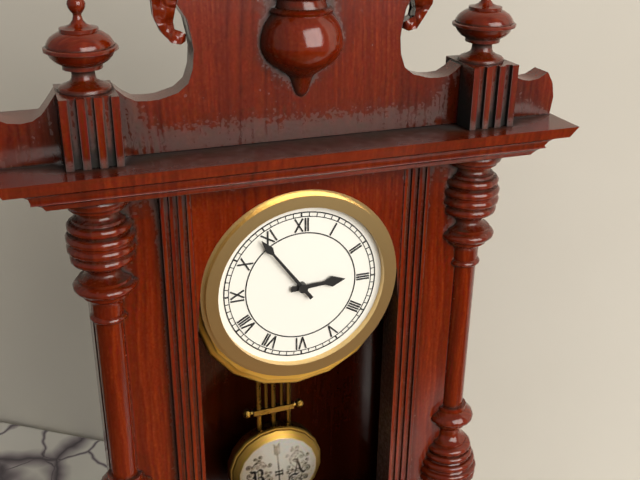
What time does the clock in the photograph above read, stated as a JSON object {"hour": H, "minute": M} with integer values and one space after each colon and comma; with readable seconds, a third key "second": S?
{"hour": 2, "minute": 54}
